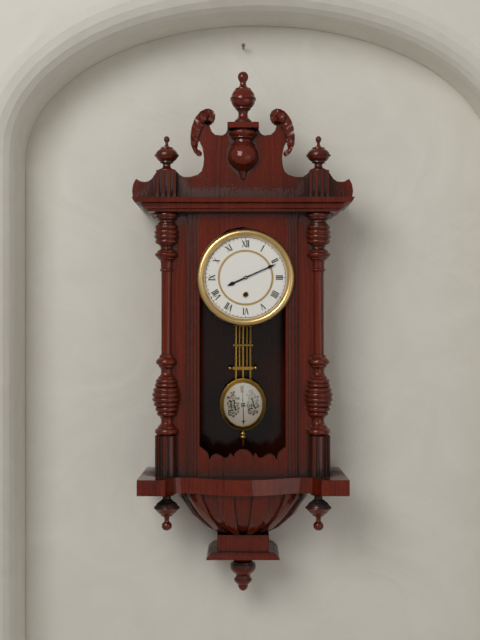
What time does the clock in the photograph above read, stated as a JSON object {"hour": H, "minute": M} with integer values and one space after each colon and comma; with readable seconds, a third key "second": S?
{"hour": 8, "minute": 11}
